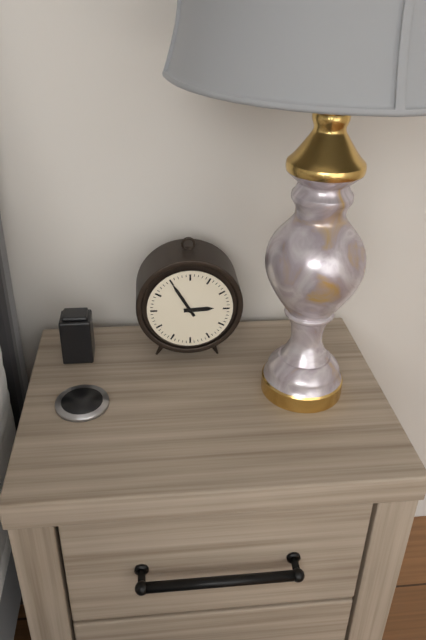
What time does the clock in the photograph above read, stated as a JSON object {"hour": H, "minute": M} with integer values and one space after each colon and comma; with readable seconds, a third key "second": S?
{"hour": 2, "minute": 55}
